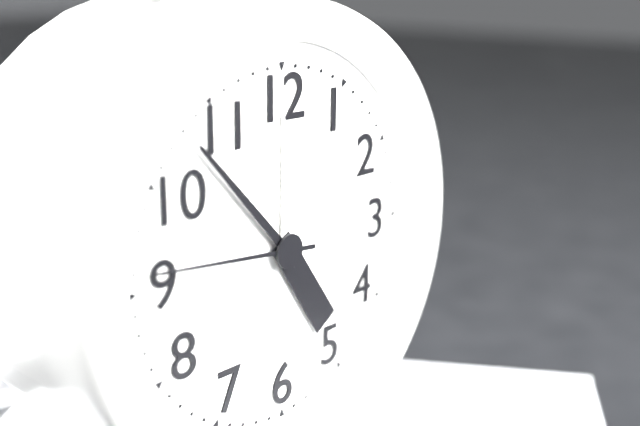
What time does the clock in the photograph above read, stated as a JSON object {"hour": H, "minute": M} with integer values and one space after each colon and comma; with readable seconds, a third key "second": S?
{"hour": 4, "minute": 53, "second": 46}
